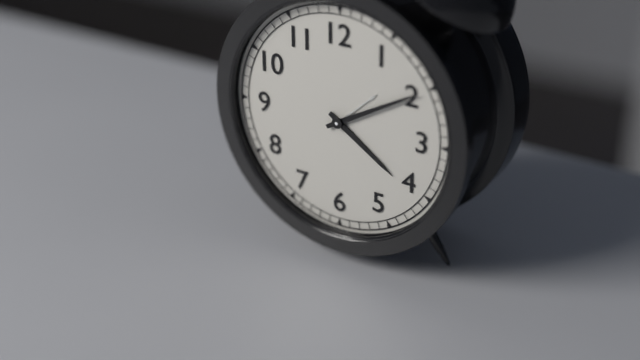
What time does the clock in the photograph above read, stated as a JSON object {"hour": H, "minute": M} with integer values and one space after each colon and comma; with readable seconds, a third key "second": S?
{"hour": 4, "minute": 10}
